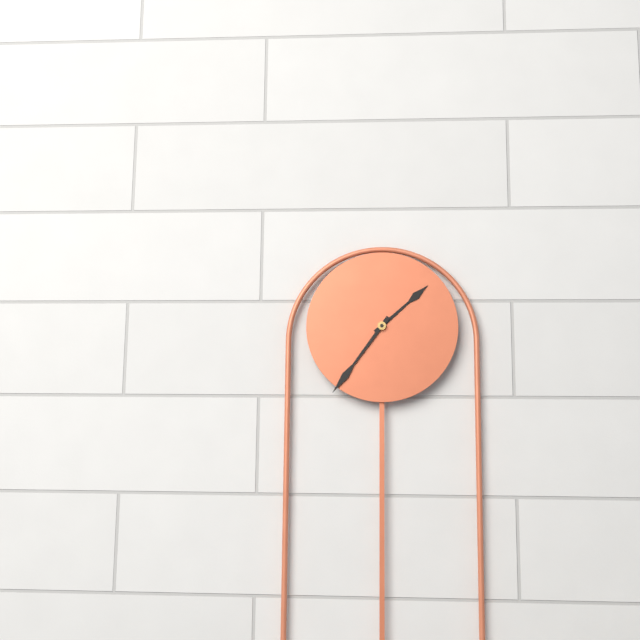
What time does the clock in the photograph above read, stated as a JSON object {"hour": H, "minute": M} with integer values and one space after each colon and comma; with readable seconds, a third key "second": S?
{"hour": 1, "minute": 36}
